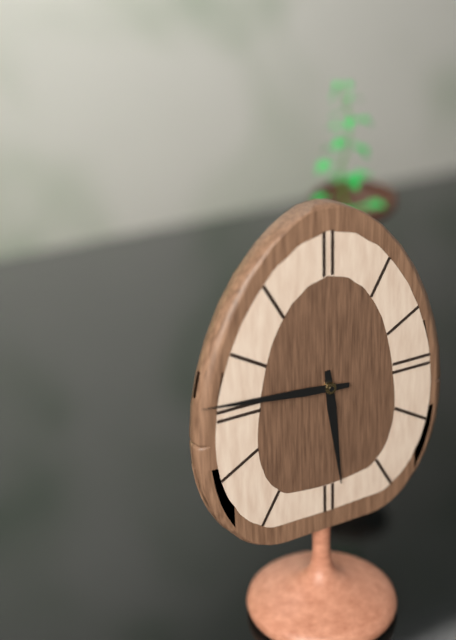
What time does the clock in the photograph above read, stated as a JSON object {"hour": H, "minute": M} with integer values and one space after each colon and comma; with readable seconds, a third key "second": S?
{"hour": 5, "minute": 46}
